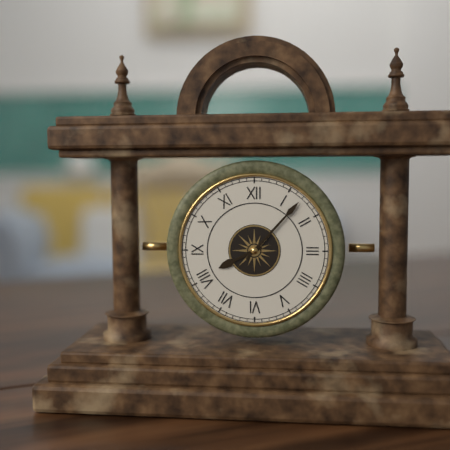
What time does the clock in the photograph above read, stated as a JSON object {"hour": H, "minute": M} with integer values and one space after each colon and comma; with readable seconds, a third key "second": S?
{"hour": 8, "minute": 7}
